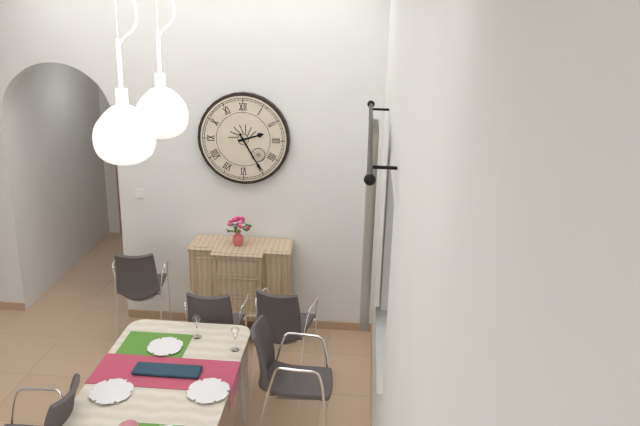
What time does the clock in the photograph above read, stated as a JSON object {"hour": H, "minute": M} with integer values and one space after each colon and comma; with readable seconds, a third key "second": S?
{"hour": 2, "minute": 25}
